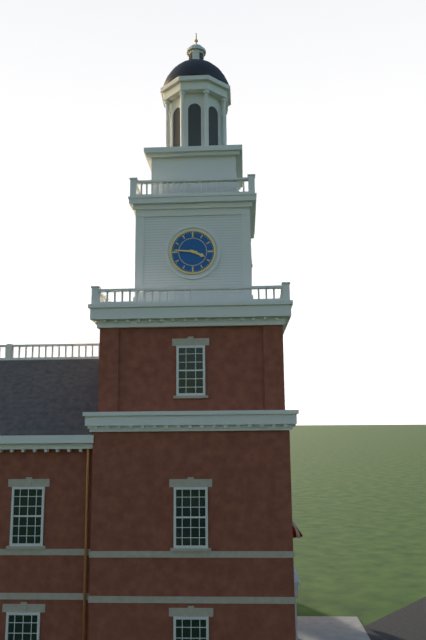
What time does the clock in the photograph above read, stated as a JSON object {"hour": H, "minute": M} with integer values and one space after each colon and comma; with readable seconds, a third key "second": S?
{"hour": 3, "minute": 46}
